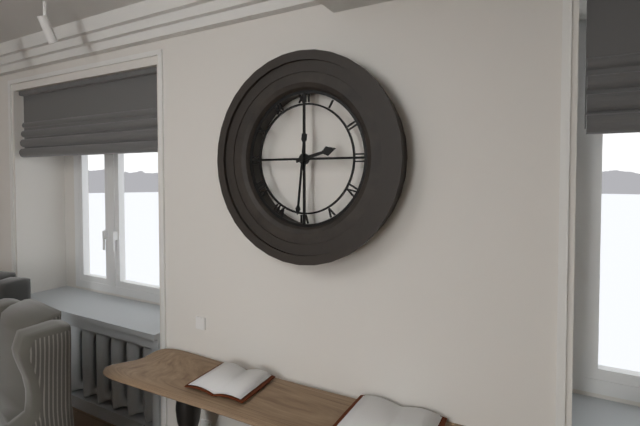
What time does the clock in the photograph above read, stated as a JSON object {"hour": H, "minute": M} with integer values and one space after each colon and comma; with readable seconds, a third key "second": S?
{"hour": 2, "minute": 31}
